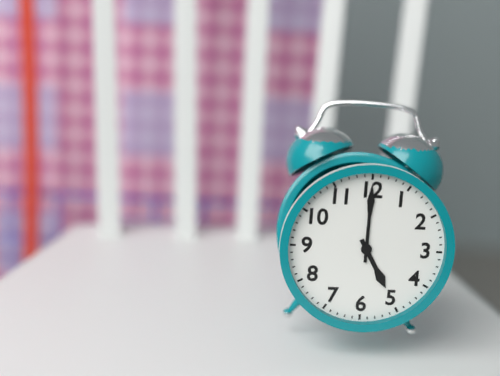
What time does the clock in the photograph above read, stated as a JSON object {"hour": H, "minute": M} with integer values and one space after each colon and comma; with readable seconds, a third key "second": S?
{"hour": 5, "minute": 0}
